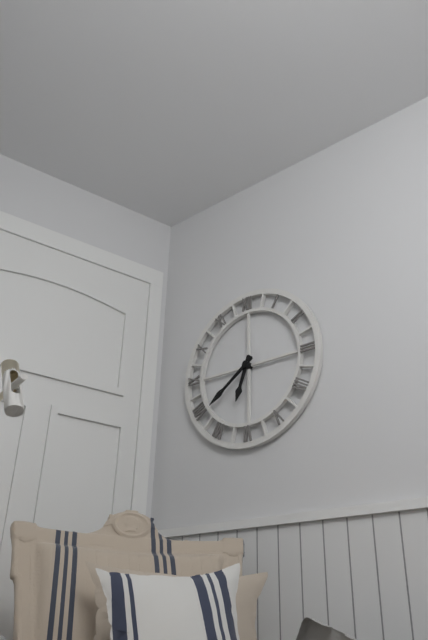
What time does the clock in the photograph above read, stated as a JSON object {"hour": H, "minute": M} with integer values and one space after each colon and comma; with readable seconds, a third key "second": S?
{"hour": 6, "minute": 39}
